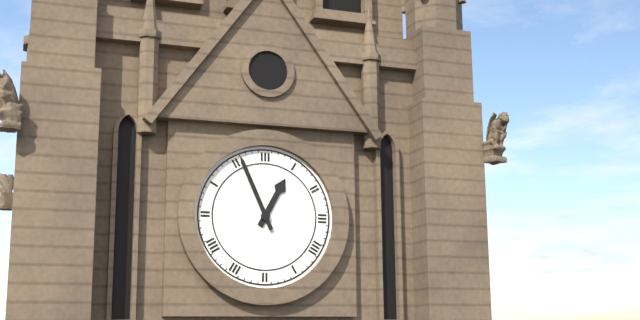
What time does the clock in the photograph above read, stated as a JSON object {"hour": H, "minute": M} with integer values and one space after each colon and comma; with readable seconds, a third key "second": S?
{"hour": 12, "minute": 56}
